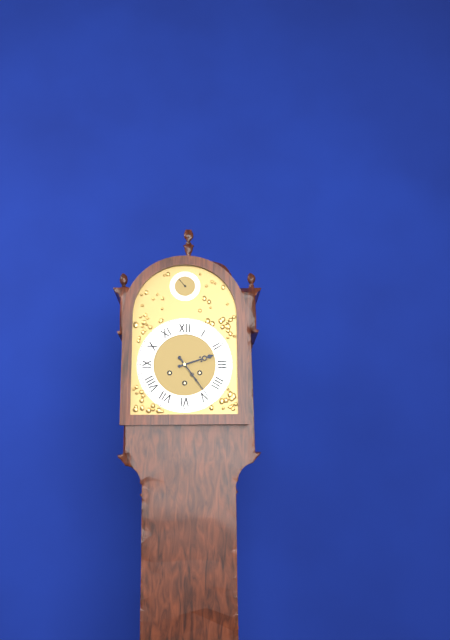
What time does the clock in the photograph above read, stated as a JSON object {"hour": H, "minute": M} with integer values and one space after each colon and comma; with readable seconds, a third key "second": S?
{"hour": 2, "minute": 24}
